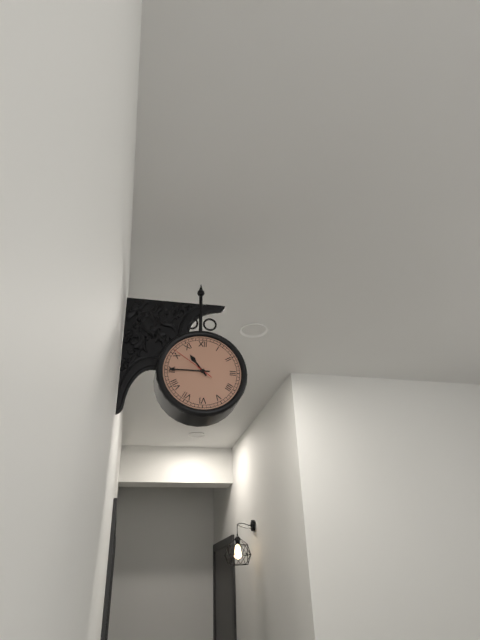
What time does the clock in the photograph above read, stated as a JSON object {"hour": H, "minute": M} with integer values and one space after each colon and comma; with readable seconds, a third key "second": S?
{"hour": 10, "minute": 45}
